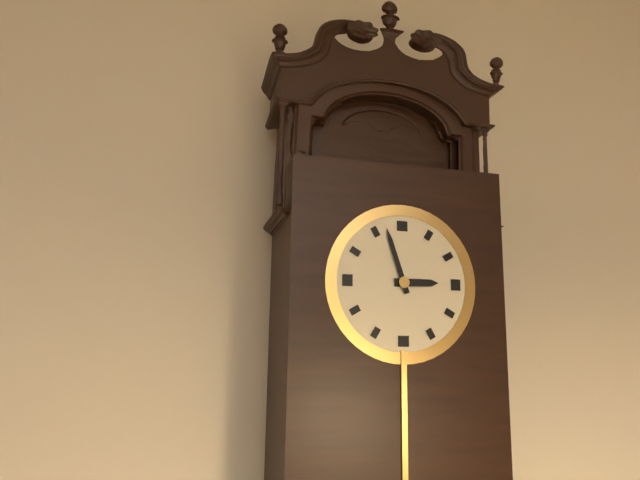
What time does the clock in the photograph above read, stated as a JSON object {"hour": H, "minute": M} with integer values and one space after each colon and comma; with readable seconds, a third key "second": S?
{"hour": 2, "minute": 57}
